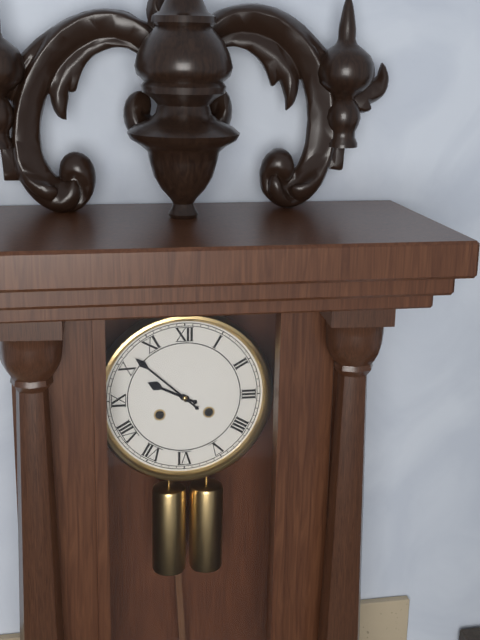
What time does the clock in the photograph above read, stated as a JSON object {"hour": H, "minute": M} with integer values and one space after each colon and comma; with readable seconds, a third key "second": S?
{"hour": 9, "minute": 52}
